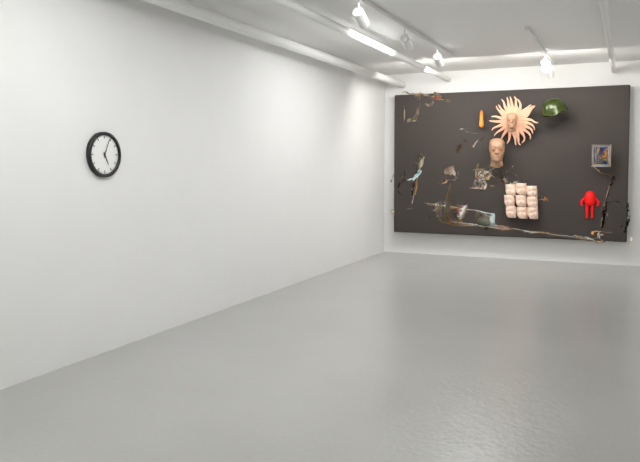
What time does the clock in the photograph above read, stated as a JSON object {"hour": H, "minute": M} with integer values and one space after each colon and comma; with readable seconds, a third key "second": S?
{"hour": 5, "minute": 4}
